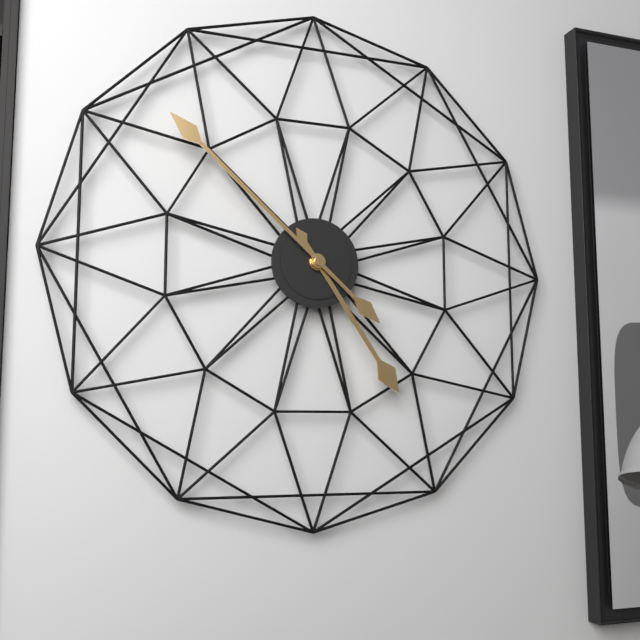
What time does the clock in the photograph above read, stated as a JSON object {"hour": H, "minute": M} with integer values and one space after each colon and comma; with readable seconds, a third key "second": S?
{"hour": 4, "minute": 52}
